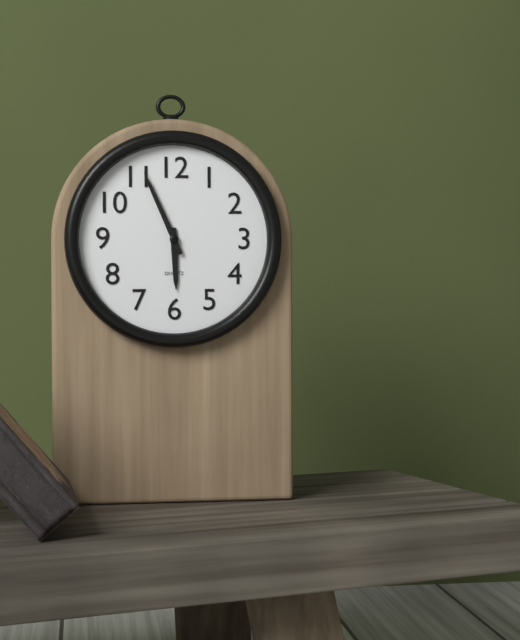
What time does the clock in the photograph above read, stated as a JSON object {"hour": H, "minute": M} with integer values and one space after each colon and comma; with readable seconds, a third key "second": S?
{"hour": 5, "minute": 56}
